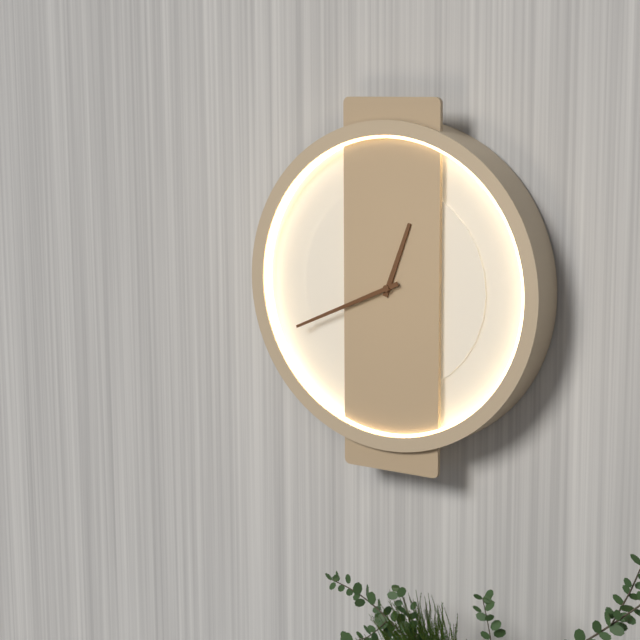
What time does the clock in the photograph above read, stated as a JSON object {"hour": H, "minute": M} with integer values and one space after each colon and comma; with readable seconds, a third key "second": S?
{"hour": 12, "minute": 41}
